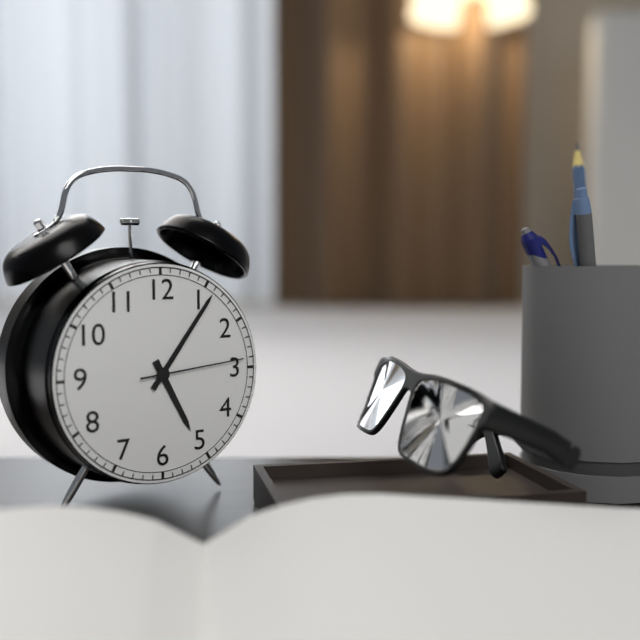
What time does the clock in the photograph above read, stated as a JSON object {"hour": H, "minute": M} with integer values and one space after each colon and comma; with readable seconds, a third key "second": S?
{"hour": 5, "minute": 6, "second": 14}
